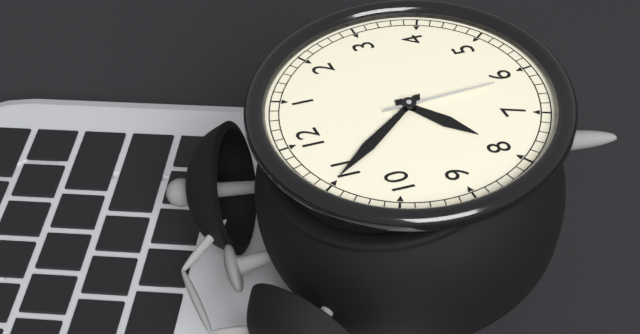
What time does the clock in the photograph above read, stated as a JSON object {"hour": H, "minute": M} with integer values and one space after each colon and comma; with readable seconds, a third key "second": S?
{"hour": 7, "minute": 55, "second": 31}
